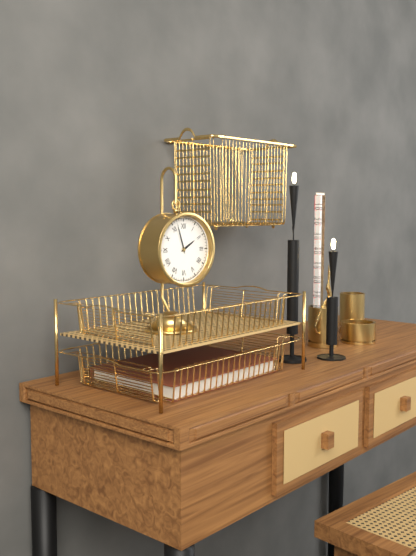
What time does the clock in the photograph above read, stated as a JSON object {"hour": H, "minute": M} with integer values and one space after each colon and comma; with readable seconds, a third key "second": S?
{"hour": 1, "minute": 57}
